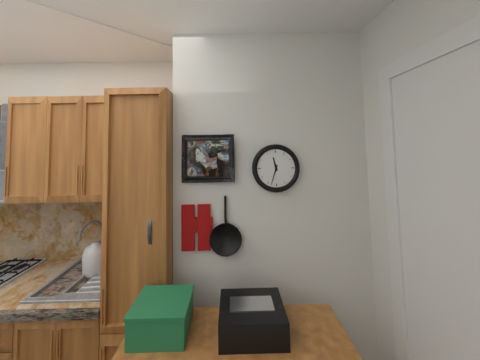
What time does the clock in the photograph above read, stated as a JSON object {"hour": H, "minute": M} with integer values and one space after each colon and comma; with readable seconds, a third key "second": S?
{"hour": 11, "minute": 33}
